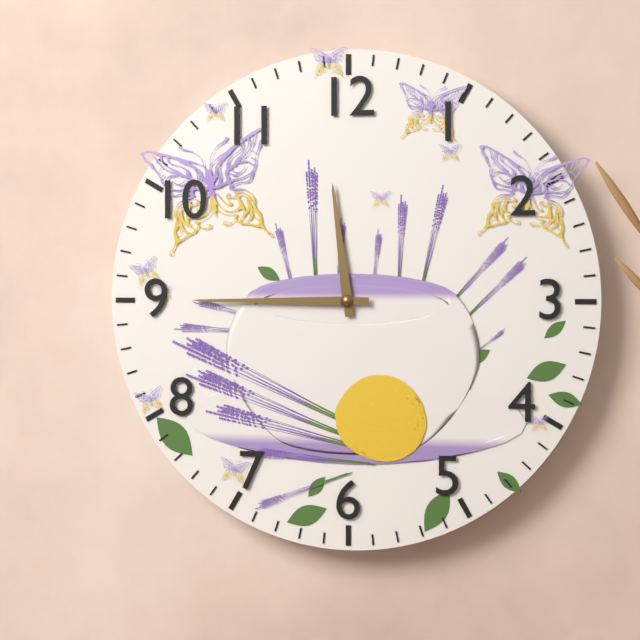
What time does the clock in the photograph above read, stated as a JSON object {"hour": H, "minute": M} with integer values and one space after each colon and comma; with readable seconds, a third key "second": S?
{"hour": 11, "minute": 45}
